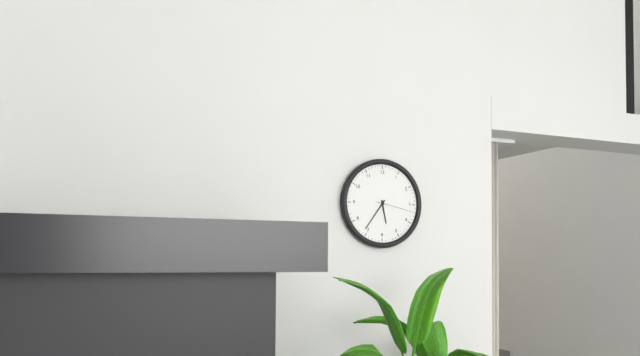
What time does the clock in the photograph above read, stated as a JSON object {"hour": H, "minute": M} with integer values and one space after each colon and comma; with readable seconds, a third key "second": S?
{"hour": 5, "minute": 36}
